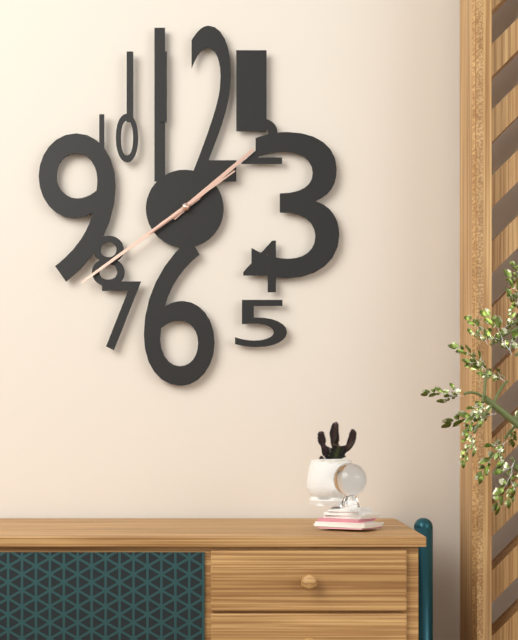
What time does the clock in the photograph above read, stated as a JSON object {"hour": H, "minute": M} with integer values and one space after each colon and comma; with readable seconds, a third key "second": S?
{"hour": 1, "minute": 39, "second": 9}
